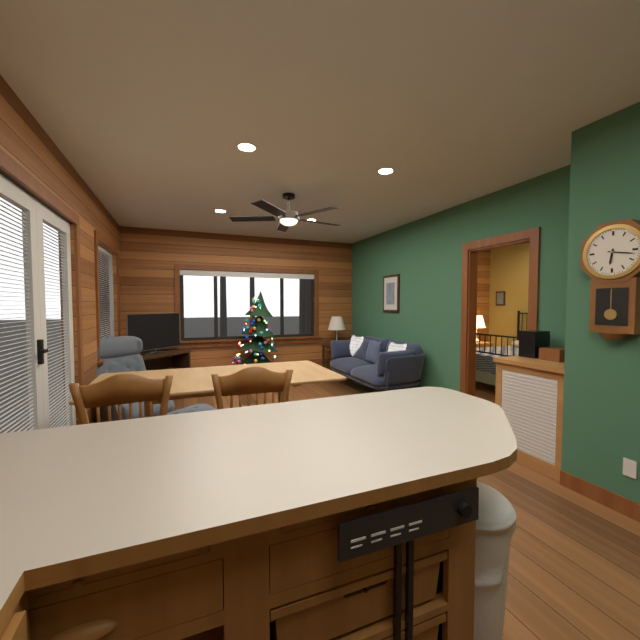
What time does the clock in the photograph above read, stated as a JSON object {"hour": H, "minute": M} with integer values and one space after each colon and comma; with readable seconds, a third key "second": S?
{"hour": 6, "minute": 17}
